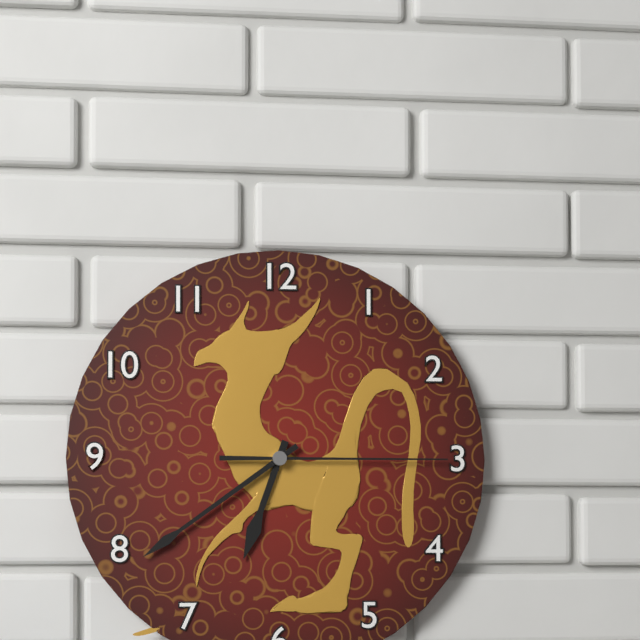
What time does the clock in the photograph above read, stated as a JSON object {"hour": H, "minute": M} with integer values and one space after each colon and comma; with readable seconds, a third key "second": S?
{"hour": 6, "minute": 39, "second": 15}
